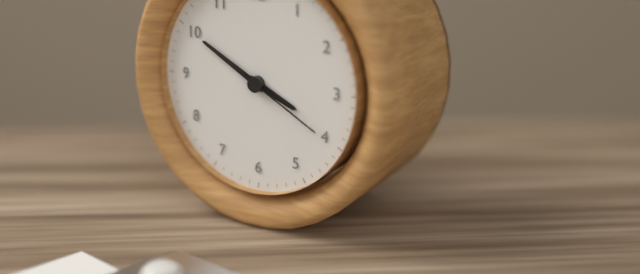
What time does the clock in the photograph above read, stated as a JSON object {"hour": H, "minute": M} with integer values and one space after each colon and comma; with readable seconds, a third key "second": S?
{"hour": 3, "minute": 50, "second": 20}
